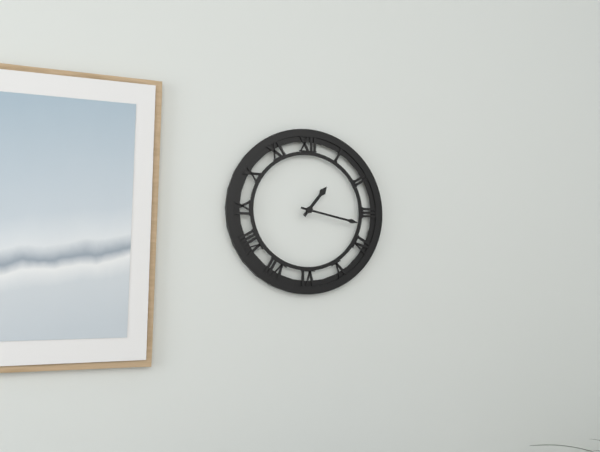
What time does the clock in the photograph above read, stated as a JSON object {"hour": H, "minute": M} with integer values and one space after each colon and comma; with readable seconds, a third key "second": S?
{"hour": 1, "minute": 17}
